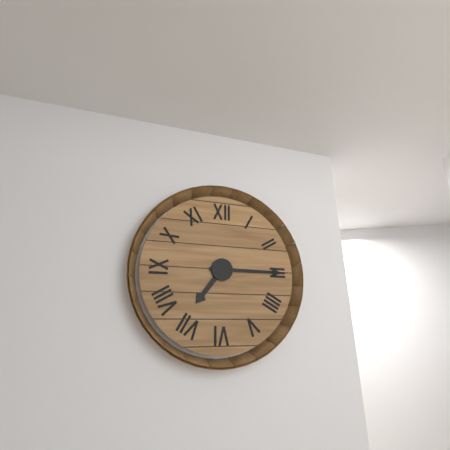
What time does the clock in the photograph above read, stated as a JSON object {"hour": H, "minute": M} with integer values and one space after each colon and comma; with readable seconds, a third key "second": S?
{"hour": 7, "minute": 15}
